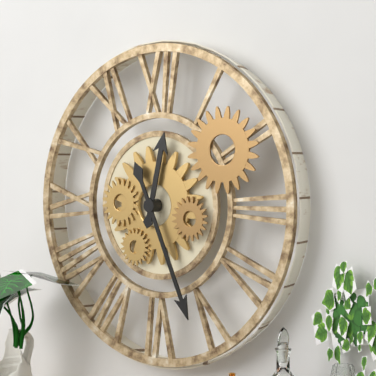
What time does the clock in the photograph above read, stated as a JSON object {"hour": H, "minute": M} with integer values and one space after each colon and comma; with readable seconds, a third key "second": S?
{"hour": 12, "minute": 26}
